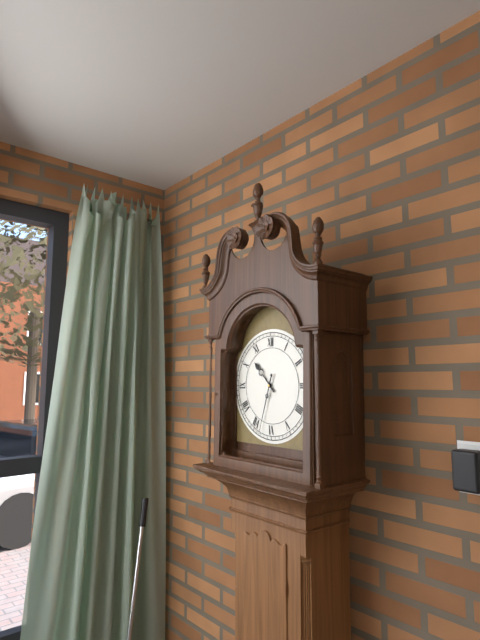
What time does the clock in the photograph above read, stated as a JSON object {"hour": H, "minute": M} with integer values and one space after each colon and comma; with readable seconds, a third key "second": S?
{"hour": 10, "minute": 33}
